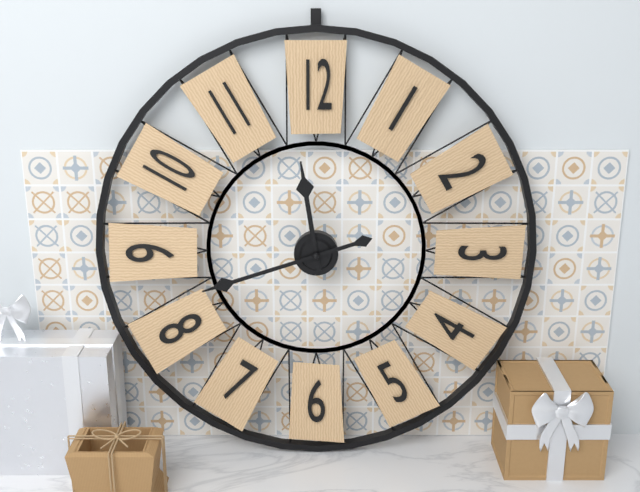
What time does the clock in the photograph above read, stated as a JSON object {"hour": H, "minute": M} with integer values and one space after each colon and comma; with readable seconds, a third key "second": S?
{"hour": 11, "minute": 42}
